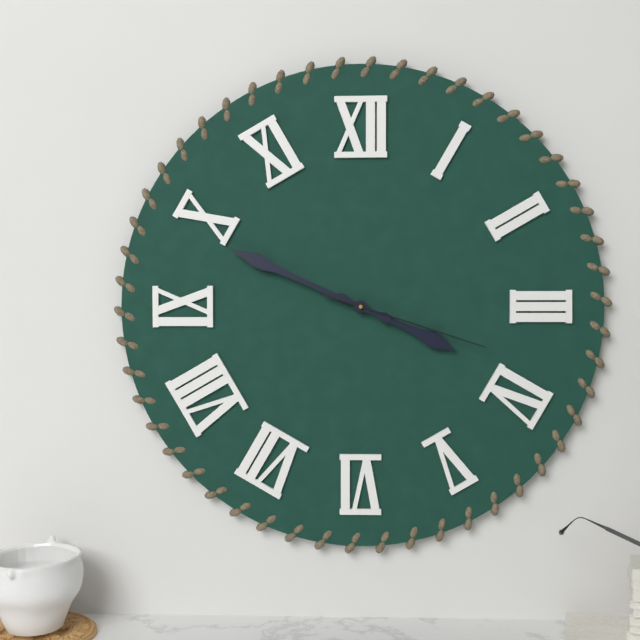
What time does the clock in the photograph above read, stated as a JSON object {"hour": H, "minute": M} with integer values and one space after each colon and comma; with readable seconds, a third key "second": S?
{"hour": 3, "minute": 49, "second": 18}
